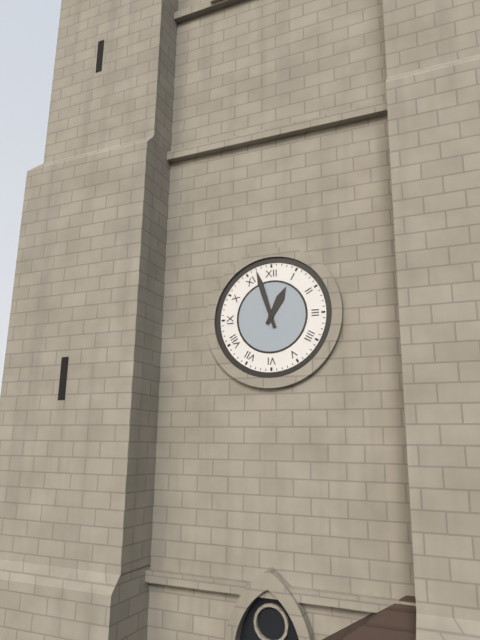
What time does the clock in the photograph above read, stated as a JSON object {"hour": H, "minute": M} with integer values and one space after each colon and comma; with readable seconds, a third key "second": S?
{"hour": 12, "minute": 57}
